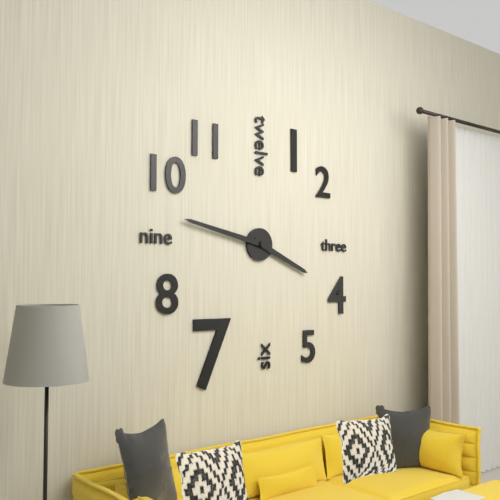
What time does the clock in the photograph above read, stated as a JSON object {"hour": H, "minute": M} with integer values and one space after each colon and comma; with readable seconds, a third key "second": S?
{"hour": 3, "minute": 47}
